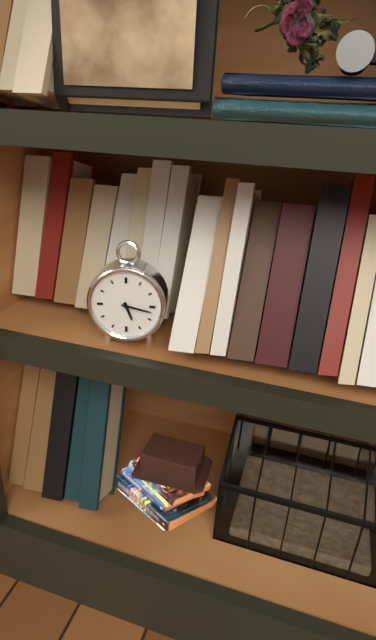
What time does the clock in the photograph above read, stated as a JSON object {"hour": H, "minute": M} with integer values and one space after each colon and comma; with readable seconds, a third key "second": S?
{"hour": 5, "minute": 17}
